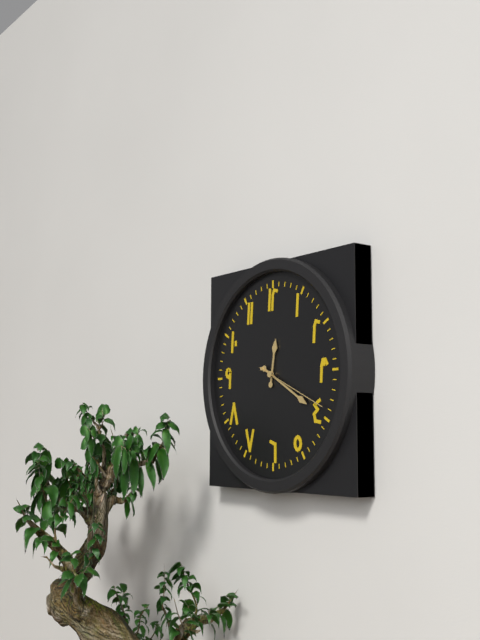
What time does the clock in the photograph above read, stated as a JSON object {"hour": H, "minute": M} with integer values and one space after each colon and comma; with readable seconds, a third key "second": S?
{"hour": 12, "minute": 20, "second": 19}
